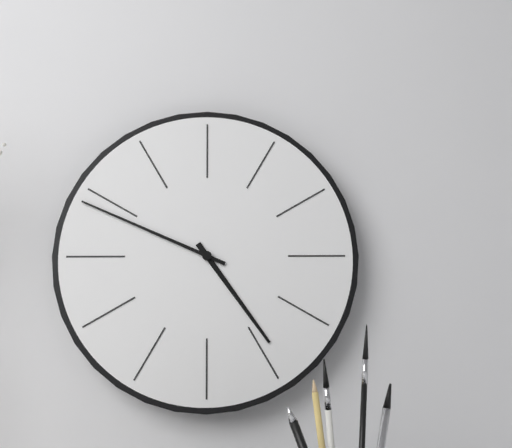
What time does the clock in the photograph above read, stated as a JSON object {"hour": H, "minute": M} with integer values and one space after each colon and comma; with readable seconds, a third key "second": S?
{"hour": 4, "minute": 49}
